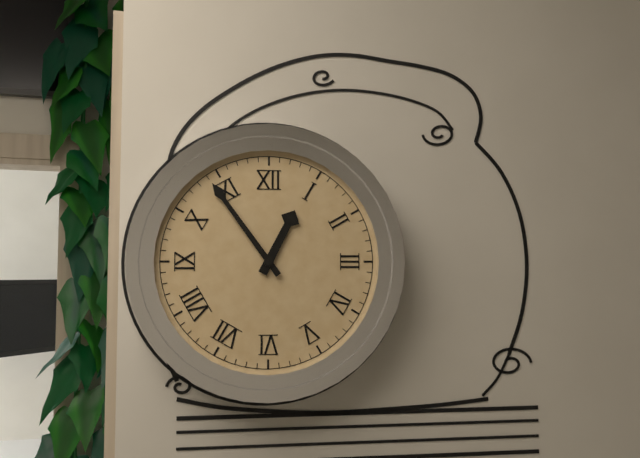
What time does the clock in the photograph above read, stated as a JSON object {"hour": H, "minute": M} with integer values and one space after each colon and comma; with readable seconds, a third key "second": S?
{"hour": 12, "minute": 54}
